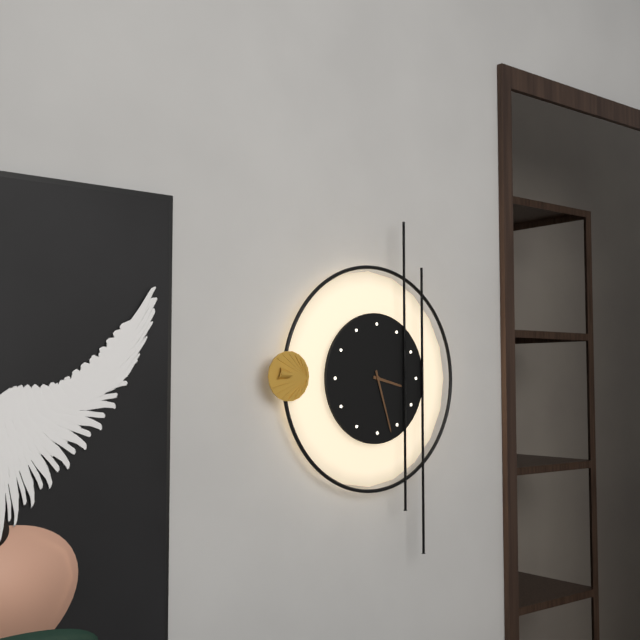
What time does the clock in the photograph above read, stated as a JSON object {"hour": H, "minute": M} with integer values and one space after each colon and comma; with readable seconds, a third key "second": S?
{"hour": 3, "minute": 27}
